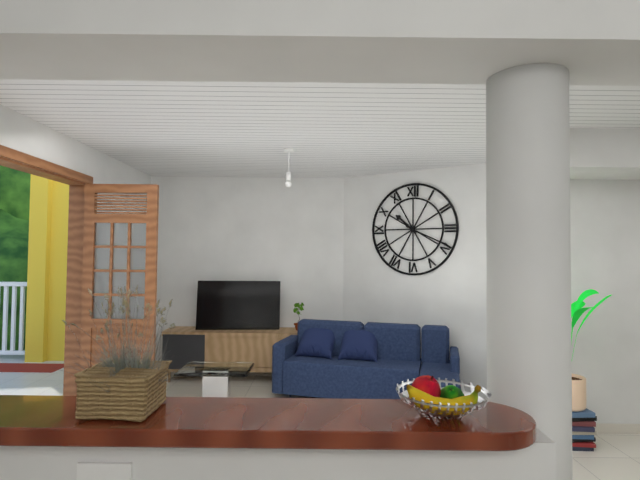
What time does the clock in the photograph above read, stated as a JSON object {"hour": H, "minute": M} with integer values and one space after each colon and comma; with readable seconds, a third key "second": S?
{"hour": 10, "minute": 19}
